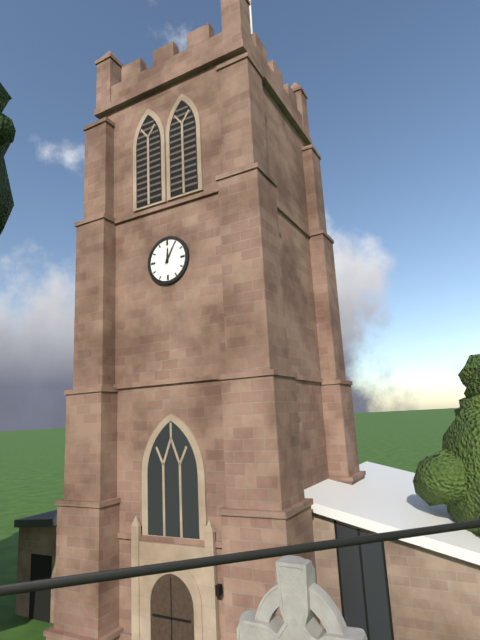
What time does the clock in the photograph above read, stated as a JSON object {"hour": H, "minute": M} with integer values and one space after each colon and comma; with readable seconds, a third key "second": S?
{"hour": 12, "minute": 5}
